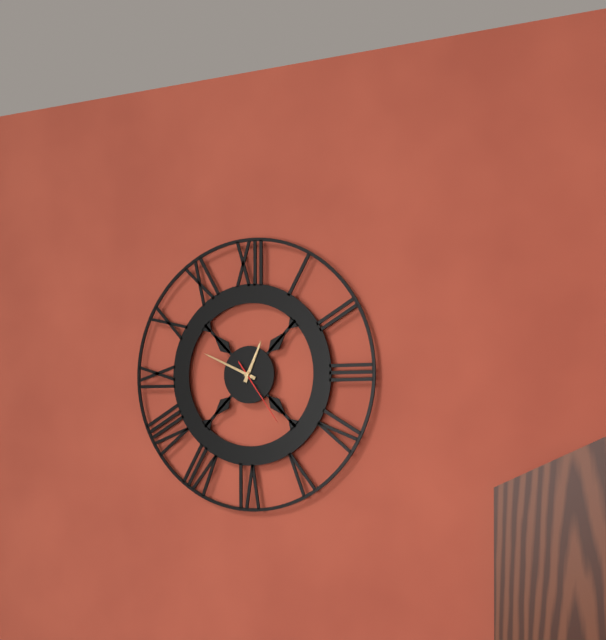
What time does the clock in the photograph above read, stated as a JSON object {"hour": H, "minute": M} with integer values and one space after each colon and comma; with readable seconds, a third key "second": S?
{"hour": 12, "minute": 49, "second": 24}
